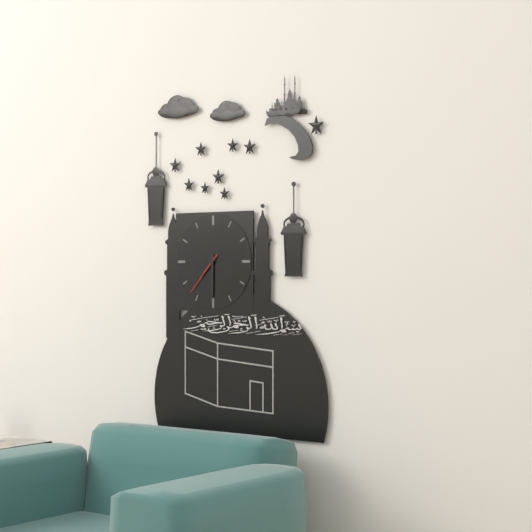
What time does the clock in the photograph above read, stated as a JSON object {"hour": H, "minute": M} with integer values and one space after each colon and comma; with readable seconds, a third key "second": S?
{"hour": 7, "minute": 30}
